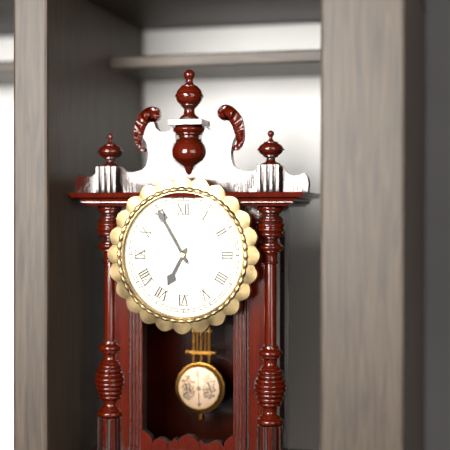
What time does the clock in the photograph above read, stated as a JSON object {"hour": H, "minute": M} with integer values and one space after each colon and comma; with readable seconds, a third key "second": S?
{"hour": 6, "minute": 55}
